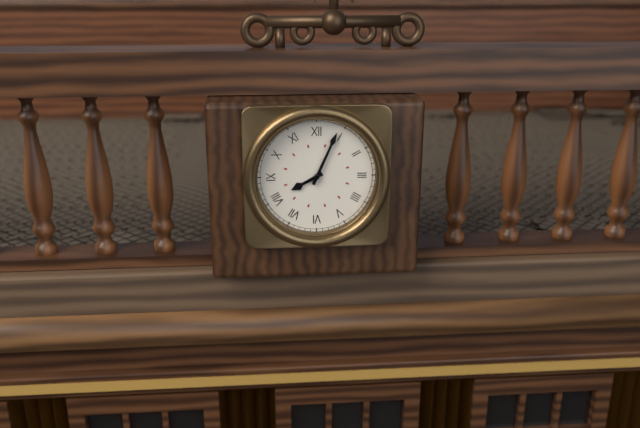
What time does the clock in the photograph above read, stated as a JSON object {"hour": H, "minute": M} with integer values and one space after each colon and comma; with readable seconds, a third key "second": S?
{"hour": 8, "minute": 4}
